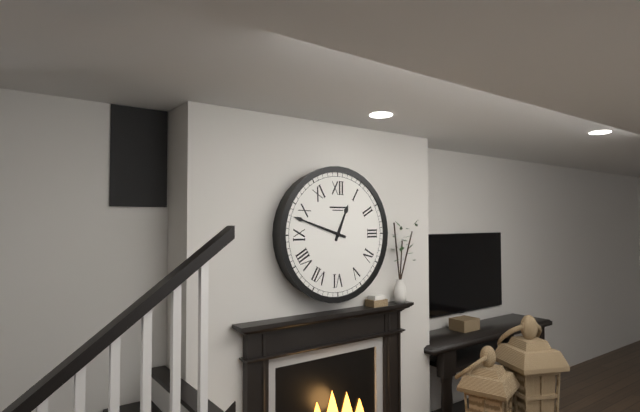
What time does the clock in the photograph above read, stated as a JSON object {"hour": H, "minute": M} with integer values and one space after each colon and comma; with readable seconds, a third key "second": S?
{"hour": 12, "minute": 48}
